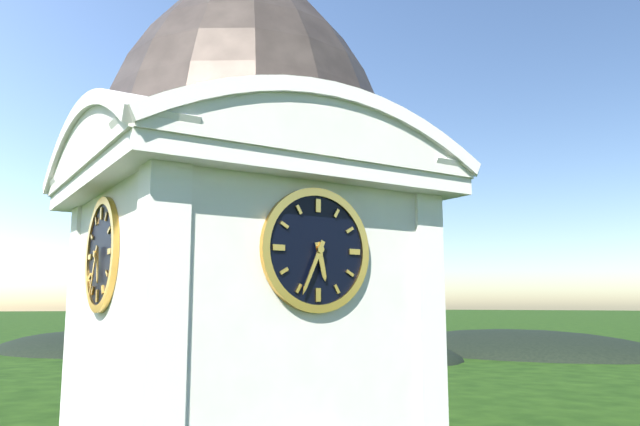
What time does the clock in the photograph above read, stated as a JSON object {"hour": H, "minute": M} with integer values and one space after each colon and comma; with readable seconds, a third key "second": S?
{"hour": 5, "minute": 34}
